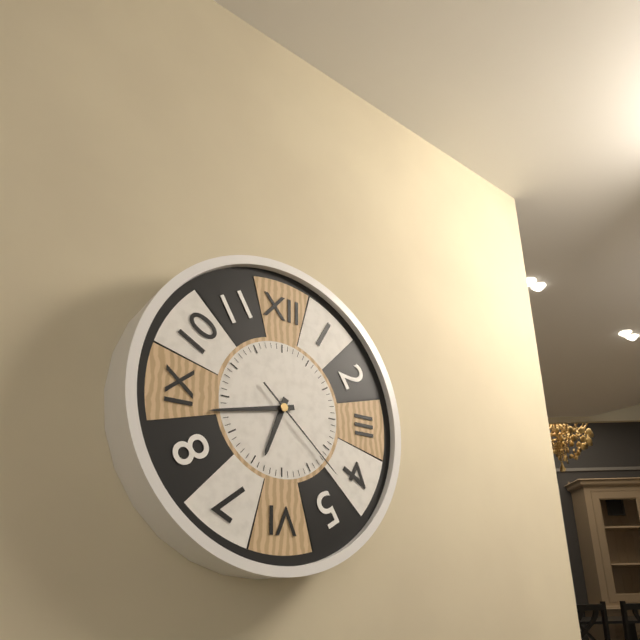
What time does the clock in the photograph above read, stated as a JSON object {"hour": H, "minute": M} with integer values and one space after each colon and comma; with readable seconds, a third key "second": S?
{"hour": 6, "minute": 43, "second": 22}
